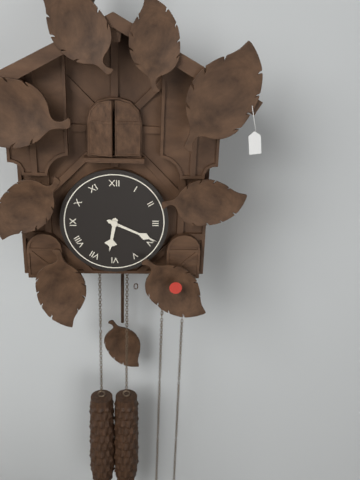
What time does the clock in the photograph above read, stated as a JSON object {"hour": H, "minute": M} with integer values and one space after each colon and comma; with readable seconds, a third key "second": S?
{"hour": 6, "minute": 19}
